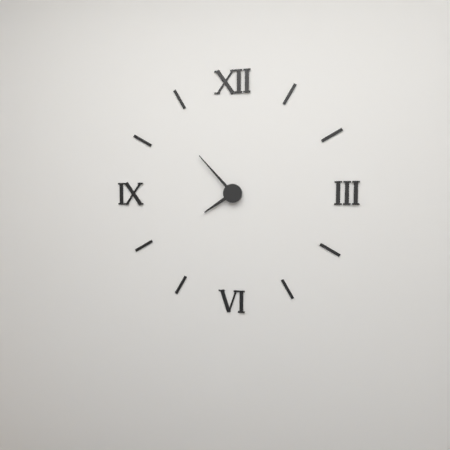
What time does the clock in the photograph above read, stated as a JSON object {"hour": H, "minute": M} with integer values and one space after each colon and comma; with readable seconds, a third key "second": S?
{"hour": 7, "minute": 53}
